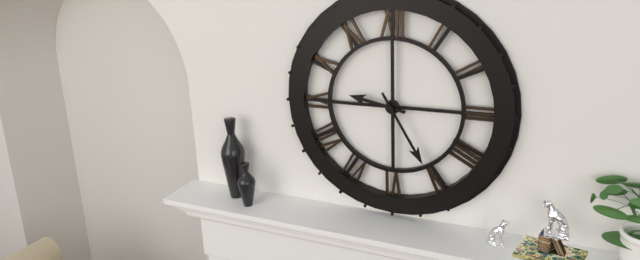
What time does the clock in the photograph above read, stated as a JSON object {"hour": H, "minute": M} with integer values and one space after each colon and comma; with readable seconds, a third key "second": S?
{"hour": 9, "minute": 25}
